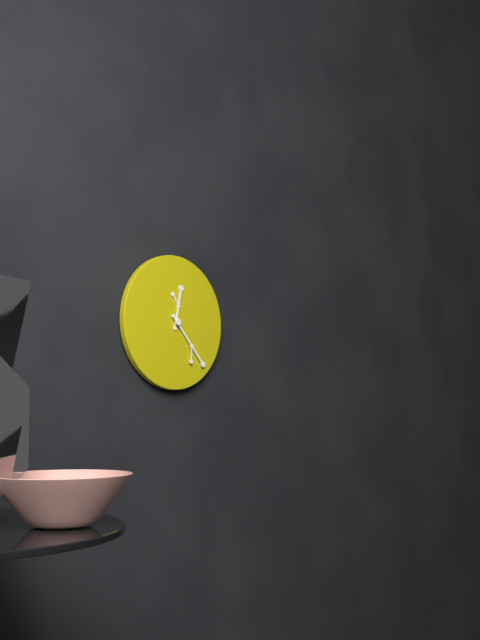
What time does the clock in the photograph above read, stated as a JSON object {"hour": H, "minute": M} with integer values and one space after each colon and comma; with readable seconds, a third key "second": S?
{"hour": 12, "minute": 23}
